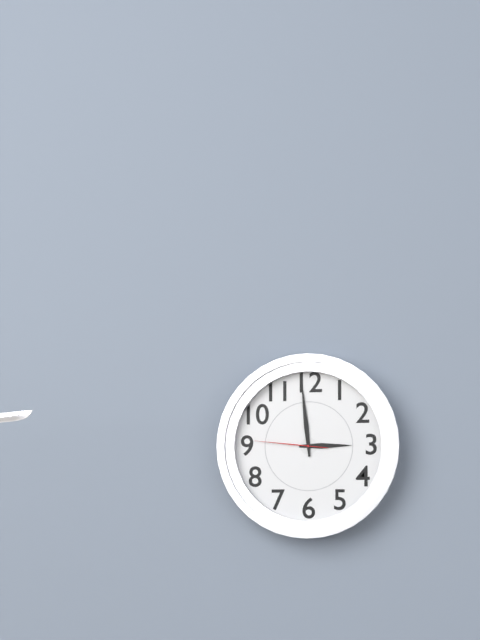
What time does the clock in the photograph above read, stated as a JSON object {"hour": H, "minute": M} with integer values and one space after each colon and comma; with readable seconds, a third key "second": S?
{"hour": 2, "minute": 59, "second": 46}
